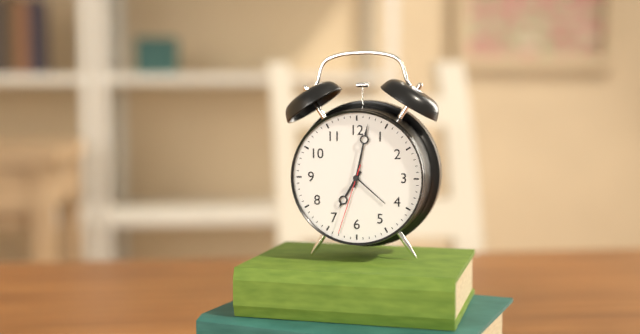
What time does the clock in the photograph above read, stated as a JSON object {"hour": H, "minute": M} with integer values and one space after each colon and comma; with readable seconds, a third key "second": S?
{"hour": 7, "minute": 2, "second": 33}
